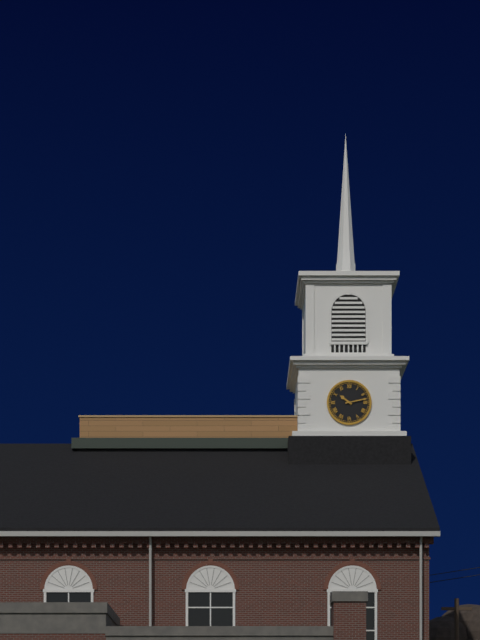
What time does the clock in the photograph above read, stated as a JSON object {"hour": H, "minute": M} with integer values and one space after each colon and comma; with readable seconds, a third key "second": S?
{"hour": 10, "minute": 13}
